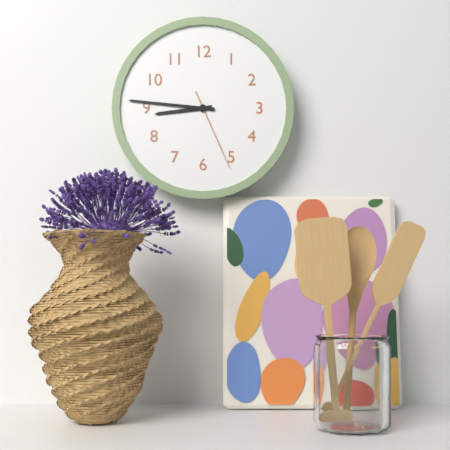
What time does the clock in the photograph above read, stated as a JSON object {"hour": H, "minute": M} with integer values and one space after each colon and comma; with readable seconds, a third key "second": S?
{"hour": 8, "minute": 46, "second": 26}
